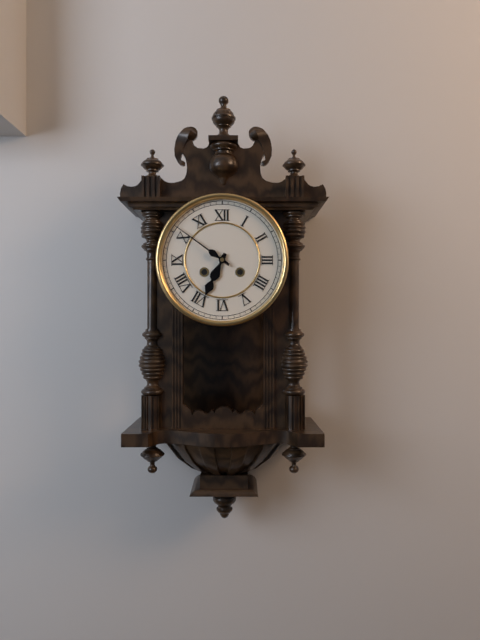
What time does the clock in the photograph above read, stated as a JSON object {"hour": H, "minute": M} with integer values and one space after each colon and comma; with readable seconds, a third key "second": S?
{"hour": 6, "minute": 51}
